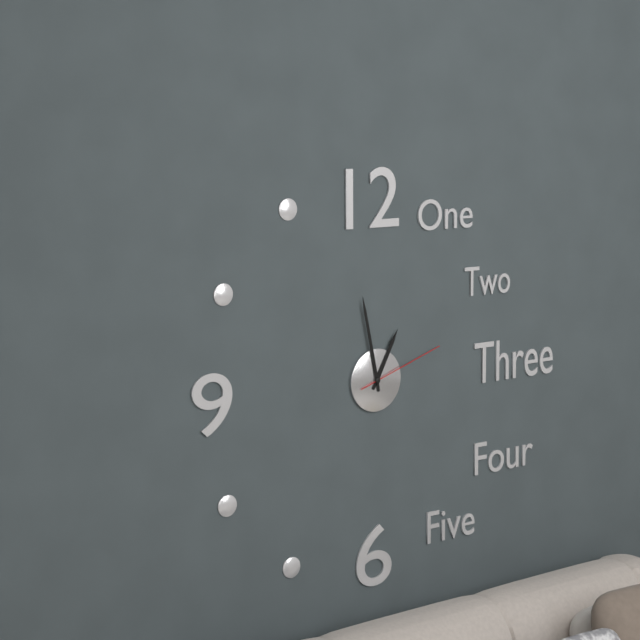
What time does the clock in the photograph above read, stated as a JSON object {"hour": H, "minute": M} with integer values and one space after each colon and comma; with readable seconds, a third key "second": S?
{"hour": 12, "minute": 58, "second": 12}
